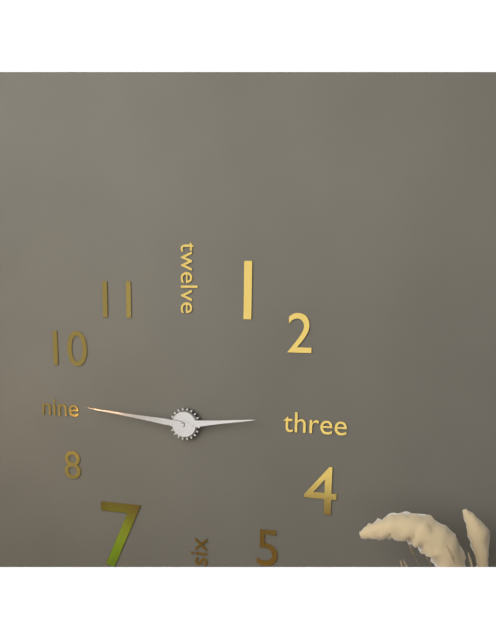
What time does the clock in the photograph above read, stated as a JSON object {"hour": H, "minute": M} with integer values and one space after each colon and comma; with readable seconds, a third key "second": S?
{"hour": 2, "minute": 46}
